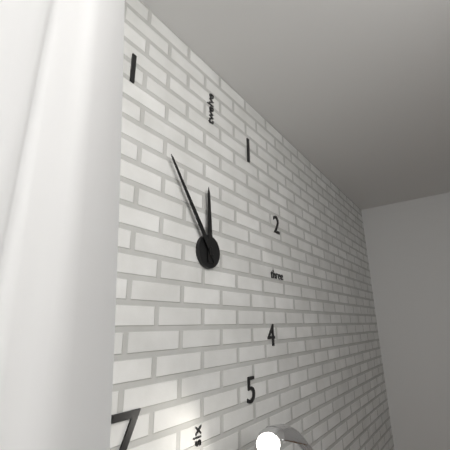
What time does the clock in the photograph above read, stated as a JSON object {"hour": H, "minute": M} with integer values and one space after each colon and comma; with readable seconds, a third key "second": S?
{"hour": 11, "minute": 54}
